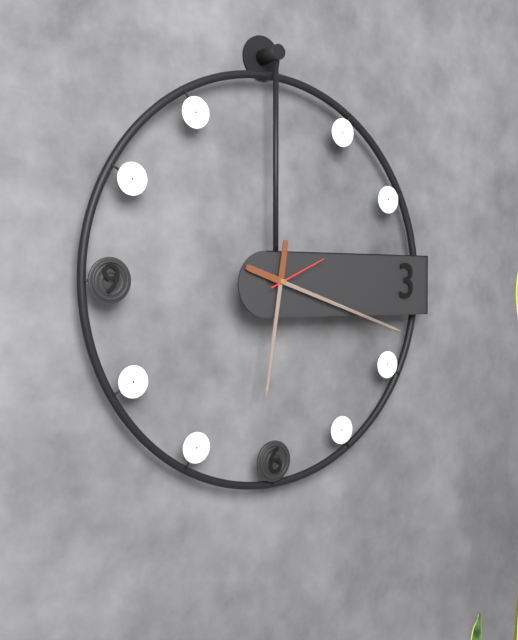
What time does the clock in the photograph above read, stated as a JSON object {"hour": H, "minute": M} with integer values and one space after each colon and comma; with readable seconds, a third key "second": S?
{"hour": 6, "minute": 18, "second": 11}
